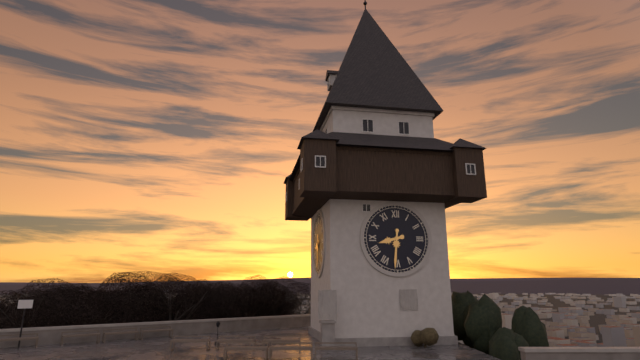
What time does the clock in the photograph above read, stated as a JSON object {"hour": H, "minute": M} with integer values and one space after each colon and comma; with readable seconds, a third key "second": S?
{"hour": 8, "minute": 31}
